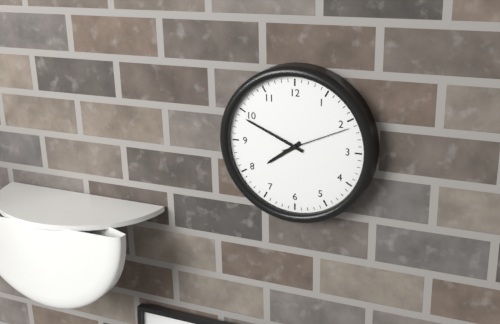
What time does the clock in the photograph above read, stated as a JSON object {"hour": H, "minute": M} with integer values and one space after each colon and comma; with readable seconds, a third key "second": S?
{"hour": 7, "minute": 49, "second": 11}
